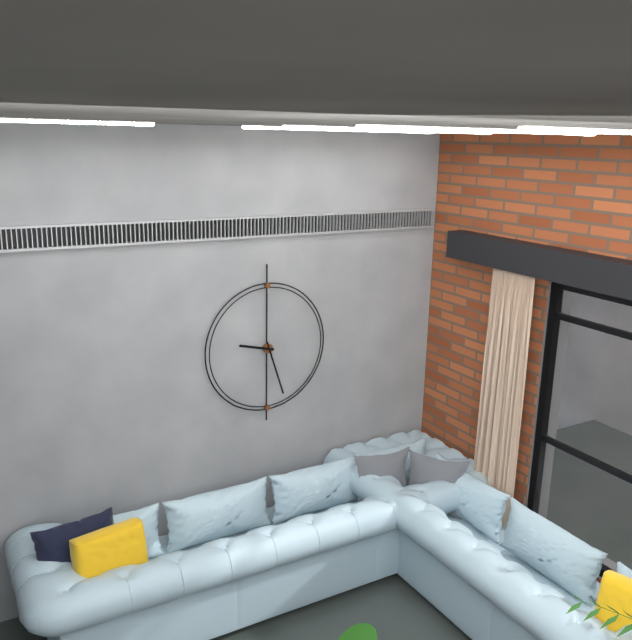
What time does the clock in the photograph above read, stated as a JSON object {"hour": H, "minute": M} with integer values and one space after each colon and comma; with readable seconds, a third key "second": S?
{"hour": 9, "minute": 27}
